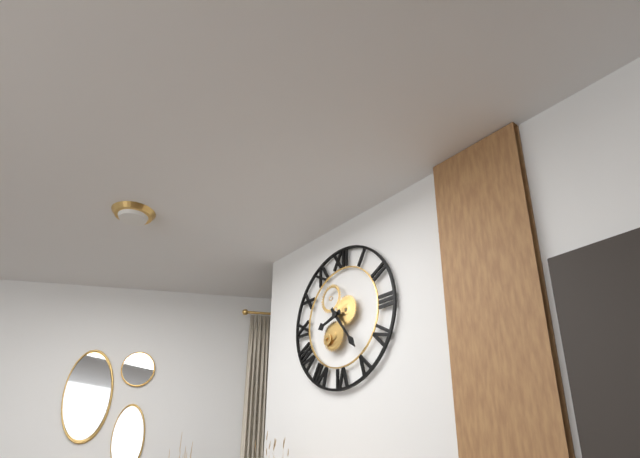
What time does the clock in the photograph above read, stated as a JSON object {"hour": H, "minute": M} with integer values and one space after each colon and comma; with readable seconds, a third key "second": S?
{"hour": 8, "minute": 24}
